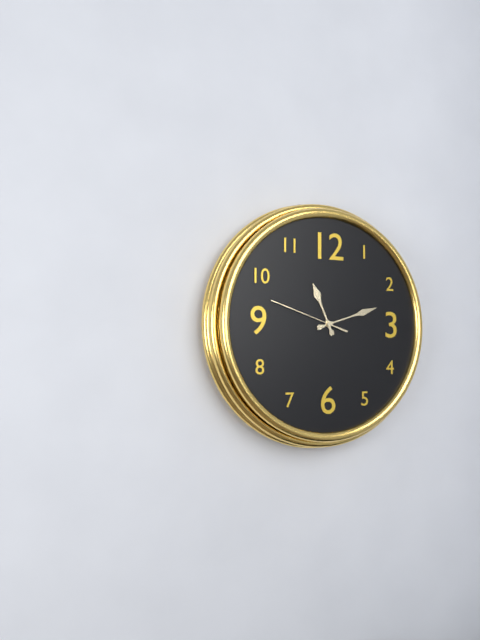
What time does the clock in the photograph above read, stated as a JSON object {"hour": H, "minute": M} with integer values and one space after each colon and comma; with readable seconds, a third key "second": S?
{"hour": 11, "minute": 12, "second": 48}
